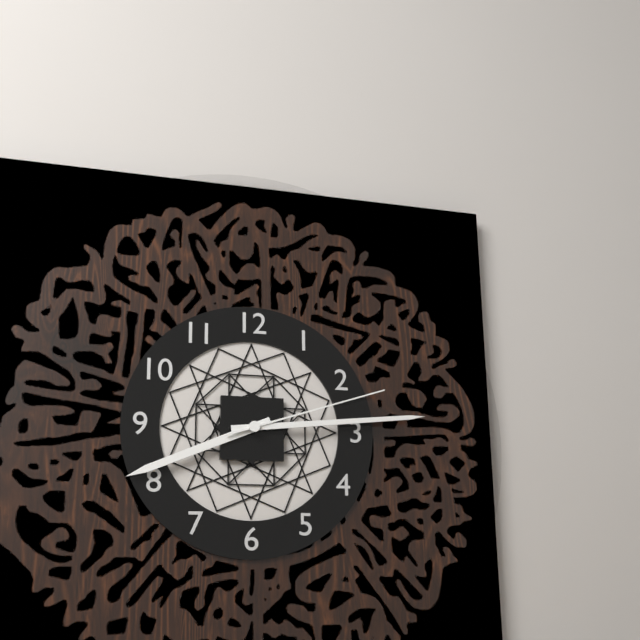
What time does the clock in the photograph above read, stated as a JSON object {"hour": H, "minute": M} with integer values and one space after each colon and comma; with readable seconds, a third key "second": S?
{"hour": 8, "minute": 14, "second": 12}
